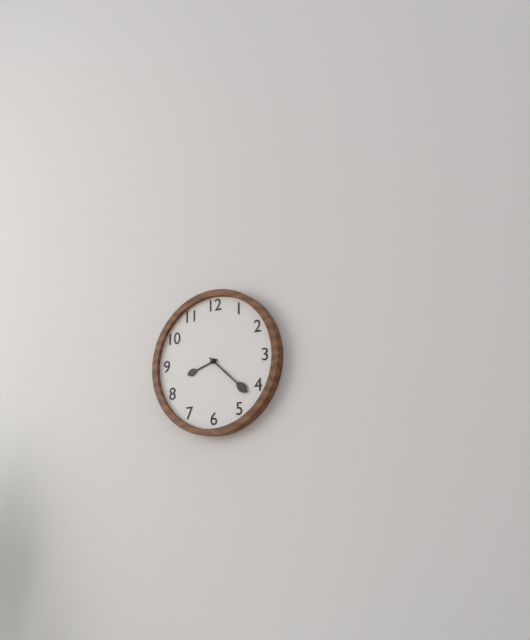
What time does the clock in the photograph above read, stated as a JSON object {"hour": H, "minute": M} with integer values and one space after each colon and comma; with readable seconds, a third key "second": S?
{"hour": 8, "minute": 22}
